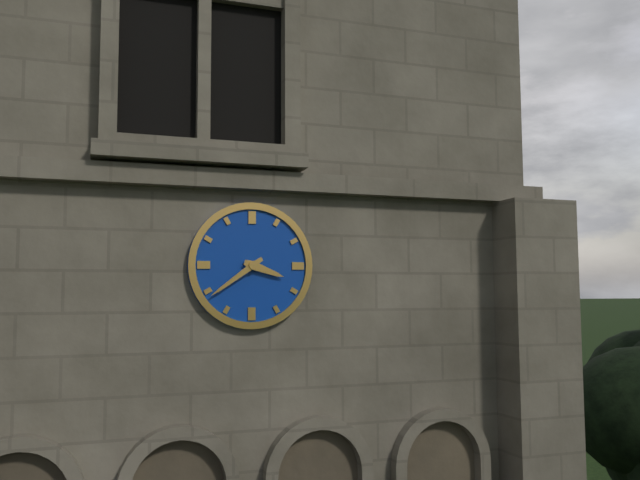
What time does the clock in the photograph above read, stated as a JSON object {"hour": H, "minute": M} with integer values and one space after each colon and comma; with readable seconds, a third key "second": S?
{"hour": 3, "minute": 39}
